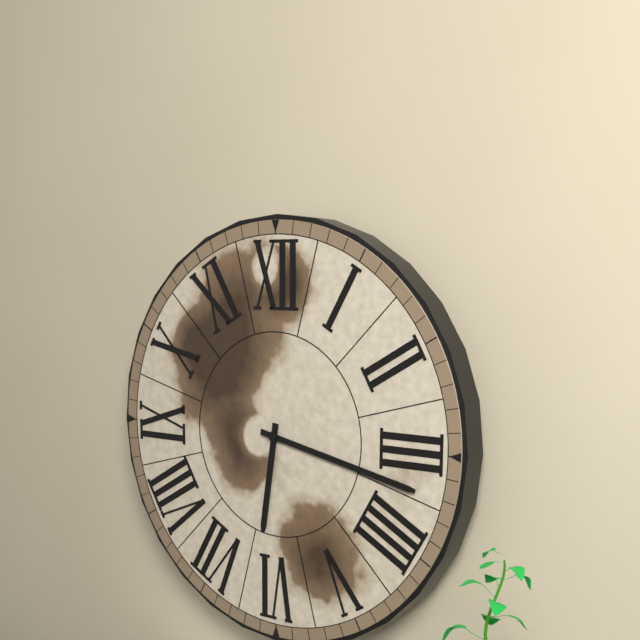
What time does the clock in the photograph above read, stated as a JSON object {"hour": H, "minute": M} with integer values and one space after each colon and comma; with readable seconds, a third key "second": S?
{"hour": 6, "minute": 17}
